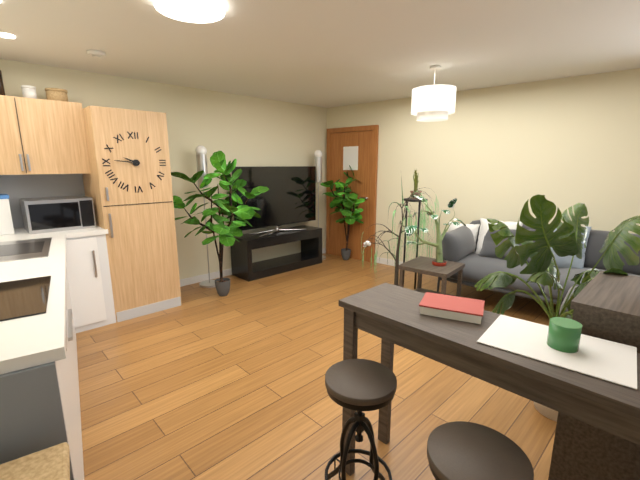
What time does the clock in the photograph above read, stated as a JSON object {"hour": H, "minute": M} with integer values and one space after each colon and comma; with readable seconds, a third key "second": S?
{"hour": 9, "minute": 46}
